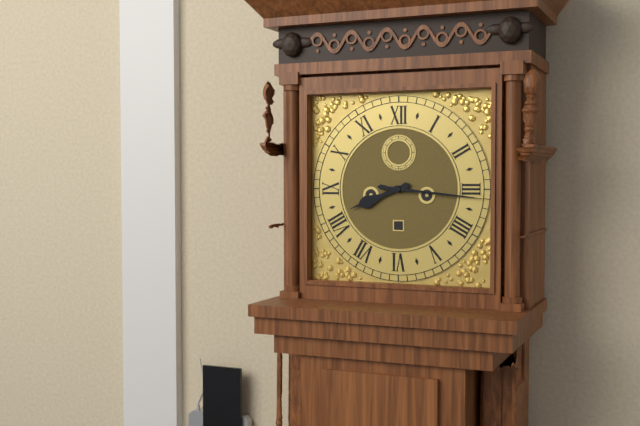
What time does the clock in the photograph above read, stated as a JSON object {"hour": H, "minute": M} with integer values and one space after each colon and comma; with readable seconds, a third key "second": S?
{"hour": 8, "minute": 16}
